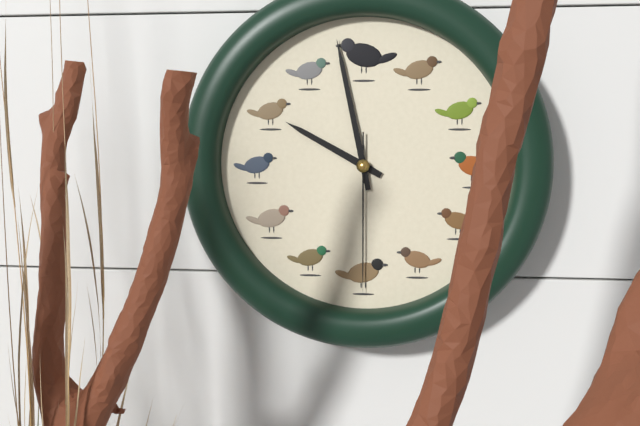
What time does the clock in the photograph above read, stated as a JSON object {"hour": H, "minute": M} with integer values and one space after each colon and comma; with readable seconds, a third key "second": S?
{"hour": 9, "minute": 58, "second": 30}
